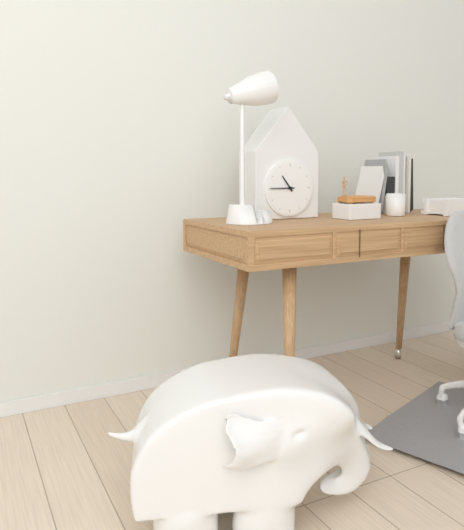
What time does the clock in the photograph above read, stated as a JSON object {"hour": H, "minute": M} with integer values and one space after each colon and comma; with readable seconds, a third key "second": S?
{"hour": 10, "minute": 45}
